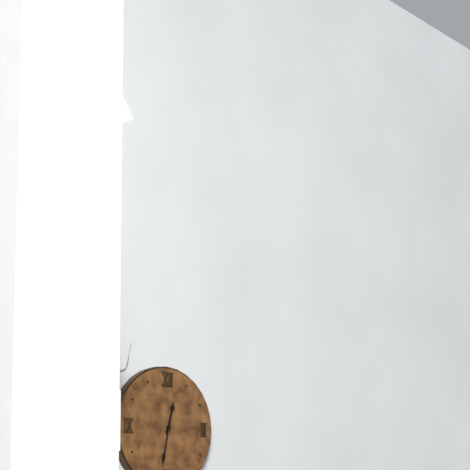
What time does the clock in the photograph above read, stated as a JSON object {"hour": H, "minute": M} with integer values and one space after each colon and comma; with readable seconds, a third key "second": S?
{"hour": 12, "minute": 32}
